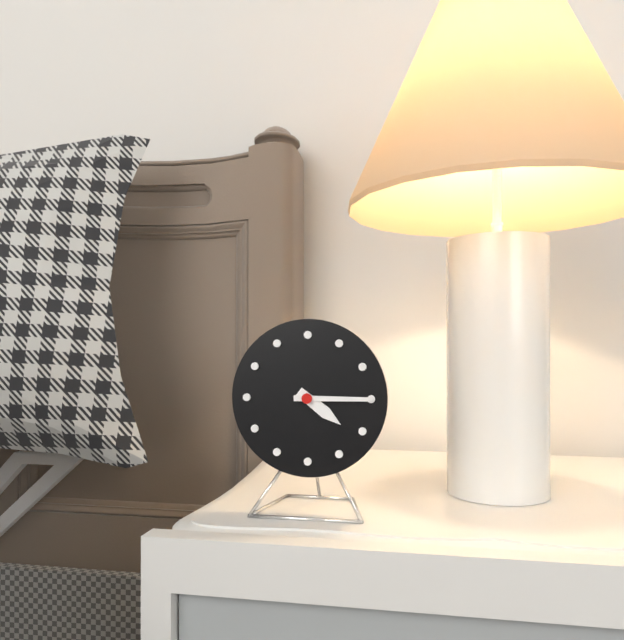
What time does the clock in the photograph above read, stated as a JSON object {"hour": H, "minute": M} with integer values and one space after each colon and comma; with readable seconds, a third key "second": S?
{"hour": 4, "minute": 15}
